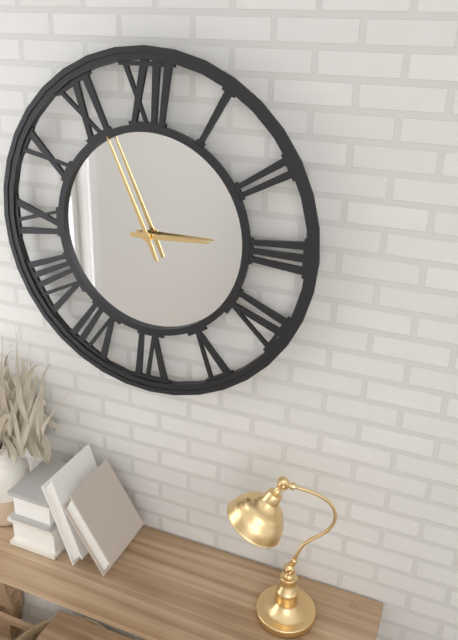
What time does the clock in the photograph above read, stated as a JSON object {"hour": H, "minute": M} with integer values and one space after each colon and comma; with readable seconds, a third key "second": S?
{"hour": 2, "minute": 56}
